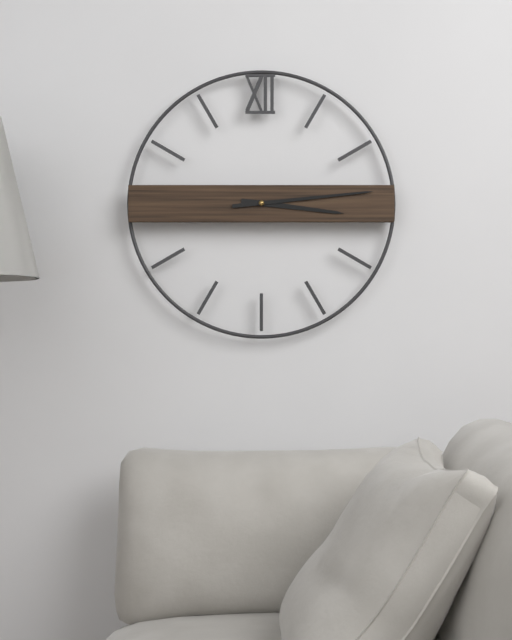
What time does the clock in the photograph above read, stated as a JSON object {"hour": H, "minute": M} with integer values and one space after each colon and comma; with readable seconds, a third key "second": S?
{"hour": 3, "minute": 14}
